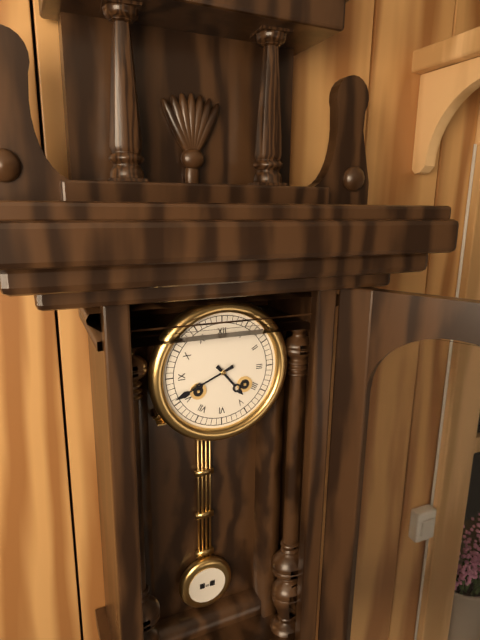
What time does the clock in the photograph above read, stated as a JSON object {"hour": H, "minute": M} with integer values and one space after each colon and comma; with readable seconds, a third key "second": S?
{"hour": 4, "minute": 41}
